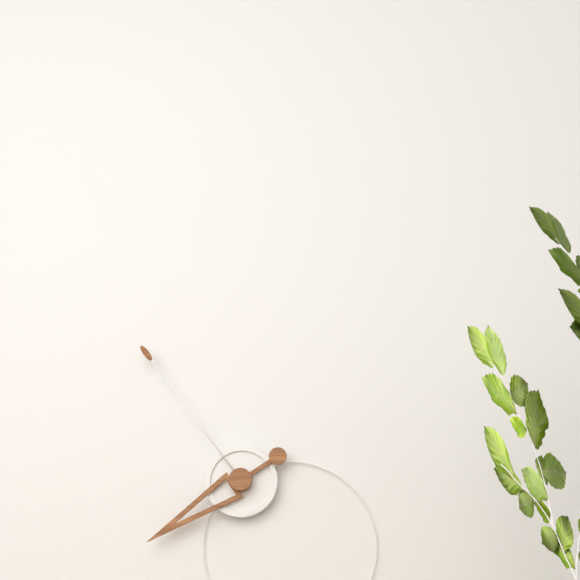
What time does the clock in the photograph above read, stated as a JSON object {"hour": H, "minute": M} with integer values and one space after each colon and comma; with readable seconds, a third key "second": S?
{"hour": 7, "minute": 54}
